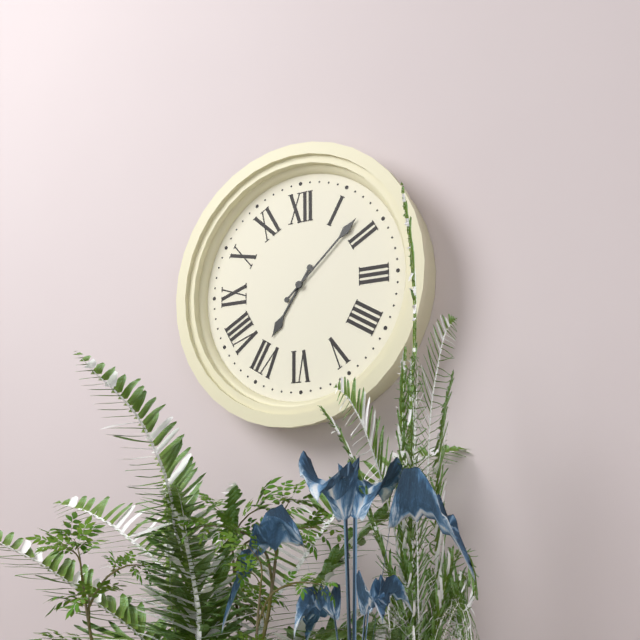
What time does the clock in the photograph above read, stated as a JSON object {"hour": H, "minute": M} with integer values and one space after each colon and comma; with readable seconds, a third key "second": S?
{"hour": 7, "minute": 8}
